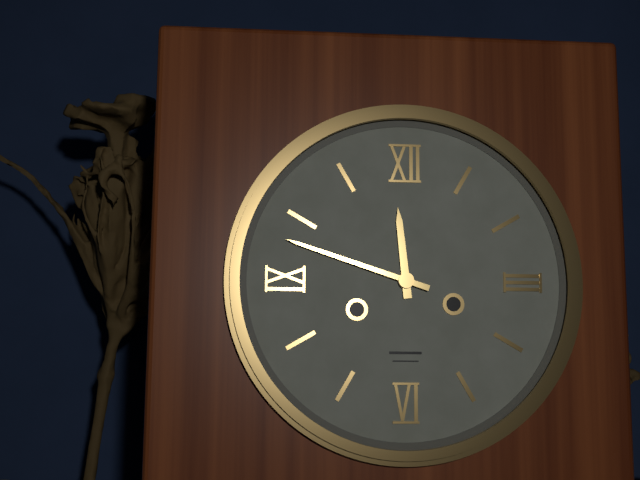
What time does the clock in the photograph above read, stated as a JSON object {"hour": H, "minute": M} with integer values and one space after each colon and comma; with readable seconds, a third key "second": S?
{"hour": 11, "minute": 48}
